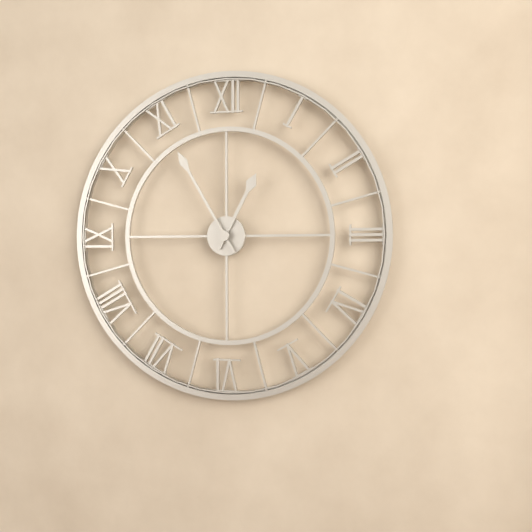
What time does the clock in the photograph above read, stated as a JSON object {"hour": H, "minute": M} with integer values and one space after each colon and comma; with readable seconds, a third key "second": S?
{"hour": 12, "minute": 55}
